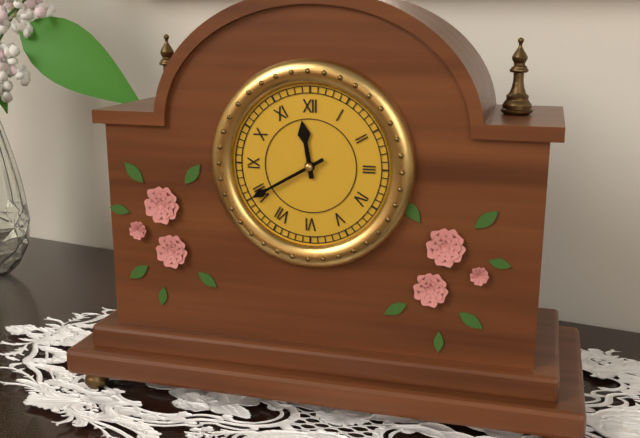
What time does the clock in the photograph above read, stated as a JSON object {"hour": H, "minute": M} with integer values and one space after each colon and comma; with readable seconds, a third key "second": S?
{"hour": 11, "minute": 40}
